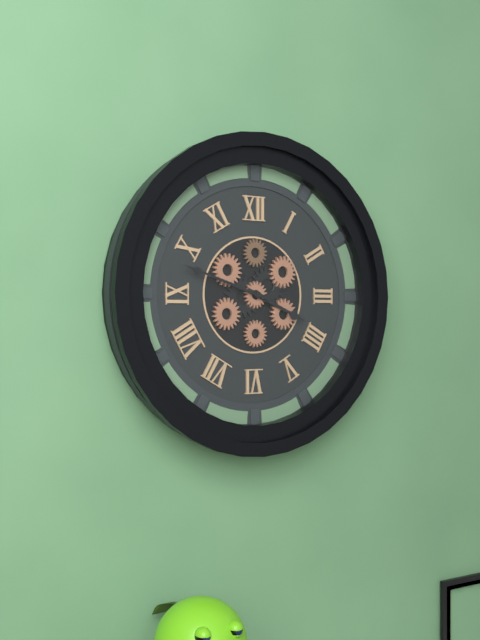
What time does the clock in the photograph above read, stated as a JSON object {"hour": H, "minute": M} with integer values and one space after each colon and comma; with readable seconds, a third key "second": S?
{"hour": 3, "minute": 48}
